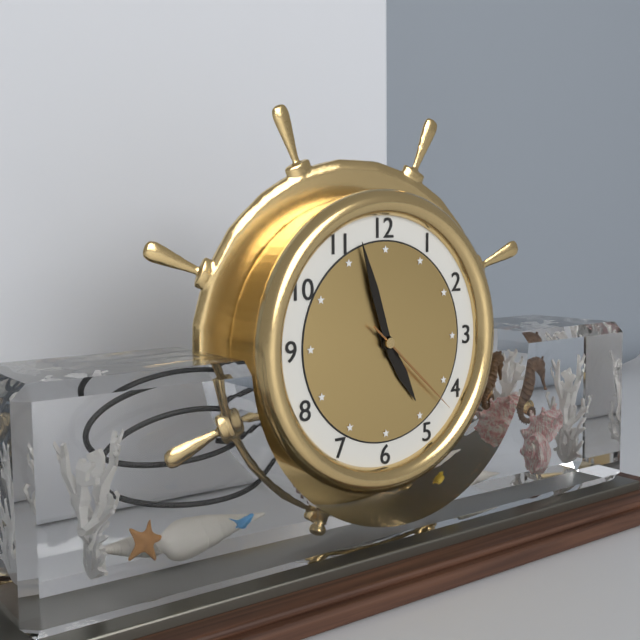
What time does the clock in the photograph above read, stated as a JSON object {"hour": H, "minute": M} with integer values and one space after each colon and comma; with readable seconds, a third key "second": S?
{"hour": 4, "minute": 57, "second": 22}
